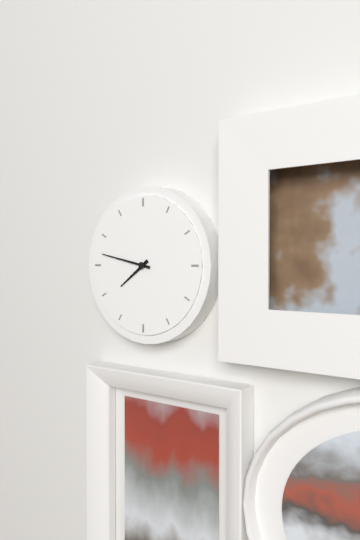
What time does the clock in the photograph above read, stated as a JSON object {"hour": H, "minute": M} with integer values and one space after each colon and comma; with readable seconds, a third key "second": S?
{"hour": 7, "minute": 47}
